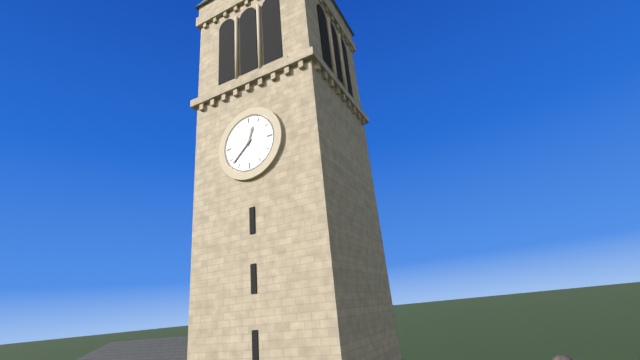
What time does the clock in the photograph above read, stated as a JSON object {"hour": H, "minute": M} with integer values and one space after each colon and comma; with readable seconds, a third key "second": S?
{"hour": 12, "minute": 38}
